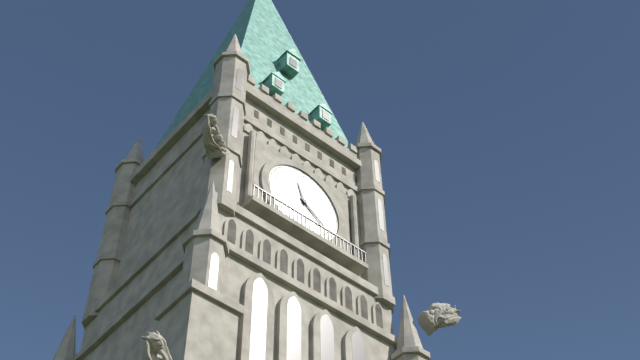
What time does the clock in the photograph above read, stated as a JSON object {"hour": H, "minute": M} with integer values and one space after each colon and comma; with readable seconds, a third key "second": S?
{"hour": 11, "minute": 21}
